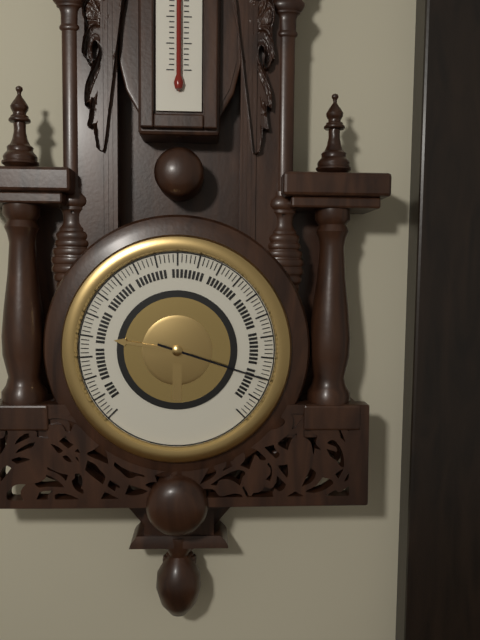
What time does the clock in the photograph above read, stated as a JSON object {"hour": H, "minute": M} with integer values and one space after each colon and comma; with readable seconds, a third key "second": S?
{"hour": 9, "minute": 18}
